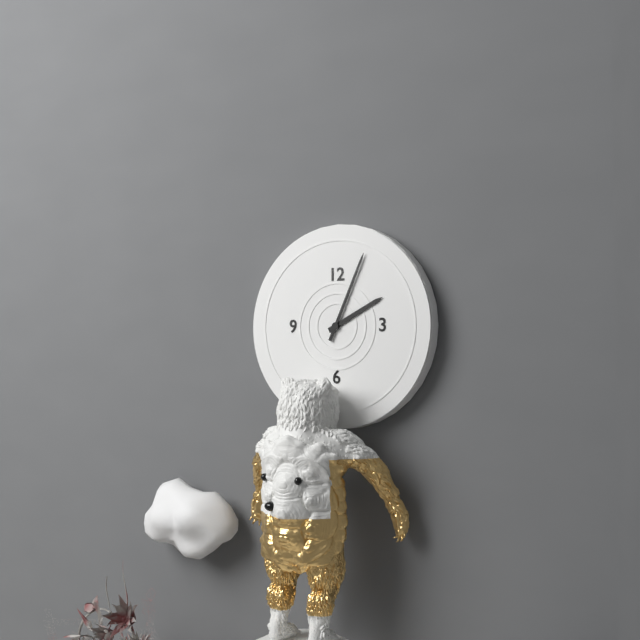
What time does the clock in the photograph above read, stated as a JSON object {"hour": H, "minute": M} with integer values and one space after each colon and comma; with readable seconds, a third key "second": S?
{"hour": 2, "minute": 4}
